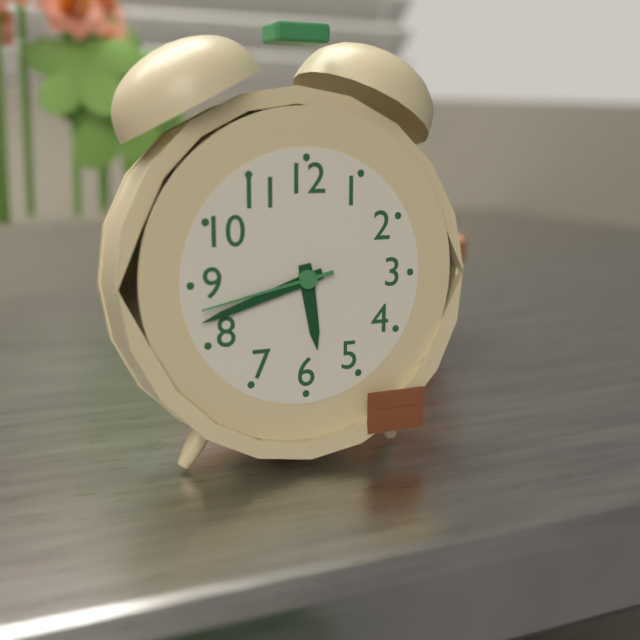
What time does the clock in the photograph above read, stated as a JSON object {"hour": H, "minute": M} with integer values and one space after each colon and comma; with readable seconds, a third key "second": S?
{"hour": 5, "minute": 42, "second": 43}
